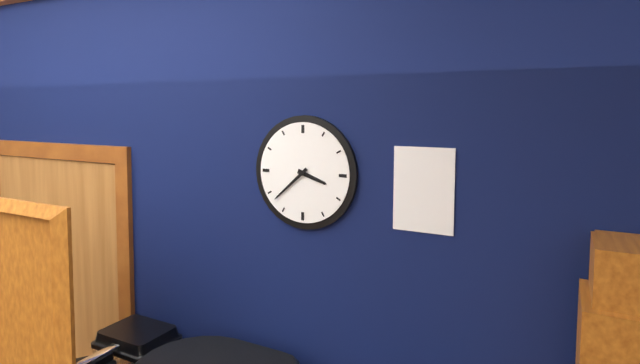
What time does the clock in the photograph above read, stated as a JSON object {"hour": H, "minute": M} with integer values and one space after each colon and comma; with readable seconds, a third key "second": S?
{"hour": 3, "minute": 38}
